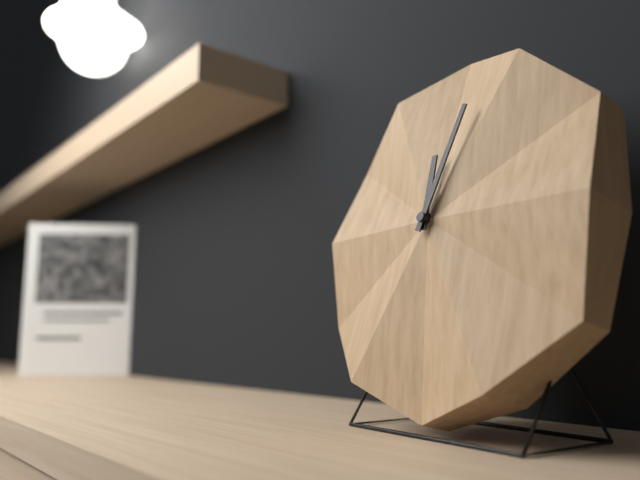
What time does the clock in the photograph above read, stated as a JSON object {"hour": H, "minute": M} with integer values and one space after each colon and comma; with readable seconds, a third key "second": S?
{"hour": 12, "minute": 3}
